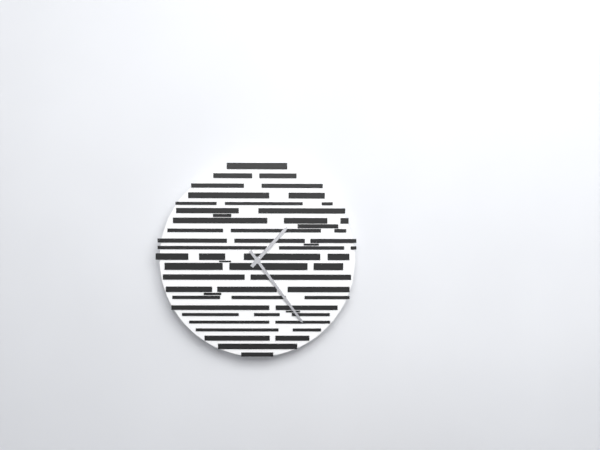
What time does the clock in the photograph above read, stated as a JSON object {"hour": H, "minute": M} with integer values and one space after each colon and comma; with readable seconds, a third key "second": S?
{"hour": 1, "minute": 24}
